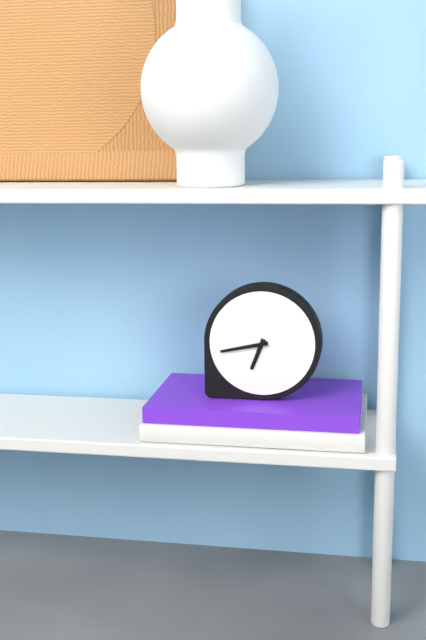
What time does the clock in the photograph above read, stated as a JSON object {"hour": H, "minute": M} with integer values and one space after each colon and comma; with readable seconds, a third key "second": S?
{"hour": 6, "minute": 43}
